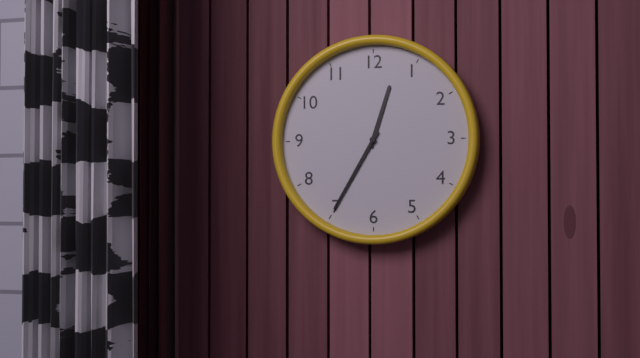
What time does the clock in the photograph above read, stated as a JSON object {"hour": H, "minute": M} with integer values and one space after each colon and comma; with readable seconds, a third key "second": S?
{"hour": 12, "minute": 35}
